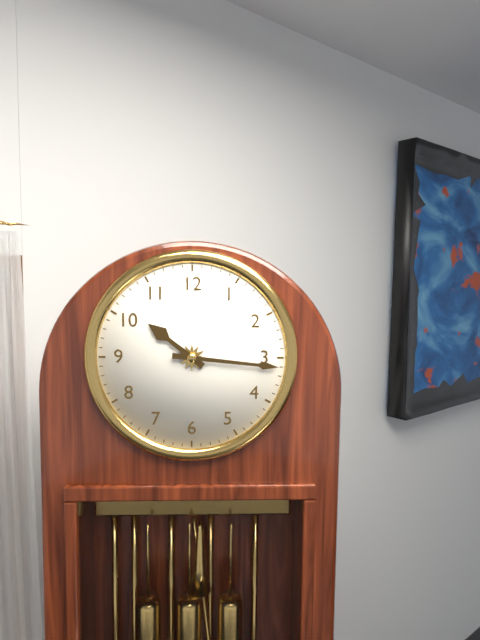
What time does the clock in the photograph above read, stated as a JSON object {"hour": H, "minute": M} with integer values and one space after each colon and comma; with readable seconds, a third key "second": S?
{"hour": 10, "minute": 16}
